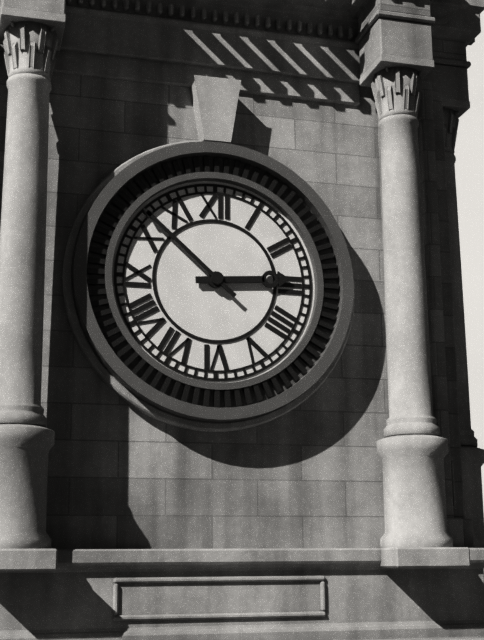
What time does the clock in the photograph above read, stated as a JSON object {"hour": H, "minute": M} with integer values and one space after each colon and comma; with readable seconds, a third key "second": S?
{"hour": 2, "minute": 52}
